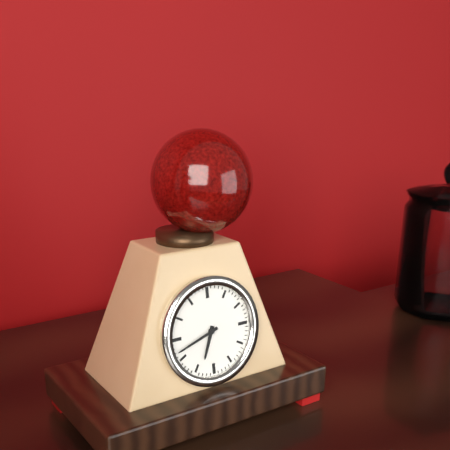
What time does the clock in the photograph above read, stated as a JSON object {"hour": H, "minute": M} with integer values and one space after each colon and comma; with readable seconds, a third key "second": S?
{"hour": 6, "minute": 42}
